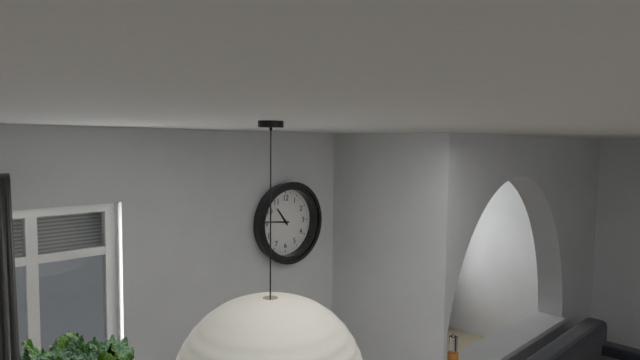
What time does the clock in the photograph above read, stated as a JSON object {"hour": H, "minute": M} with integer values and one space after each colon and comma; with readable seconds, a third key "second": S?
{"hour": 10, "minute": 46}
